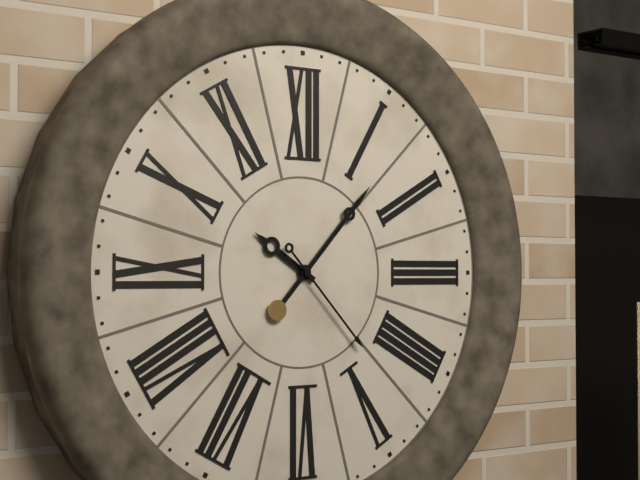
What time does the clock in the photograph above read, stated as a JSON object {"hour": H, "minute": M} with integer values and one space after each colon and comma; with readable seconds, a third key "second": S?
{"hour": 10, "minute": 7, "second": 23}
